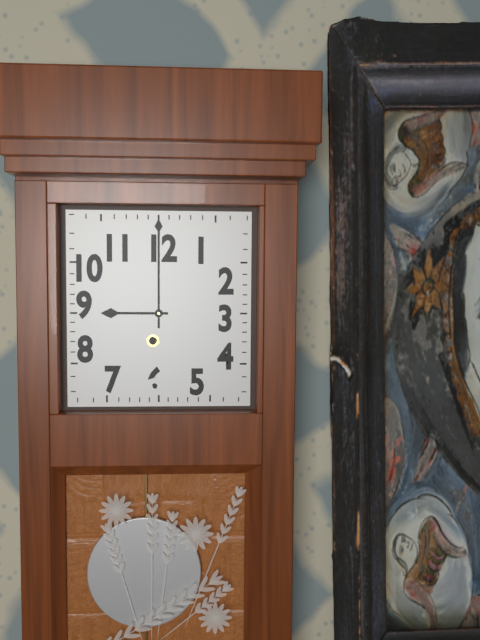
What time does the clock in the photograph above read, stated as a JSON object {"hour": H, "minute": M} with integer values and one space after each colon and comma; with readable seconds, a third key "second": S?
{"hour": 9, "minute": 0}
